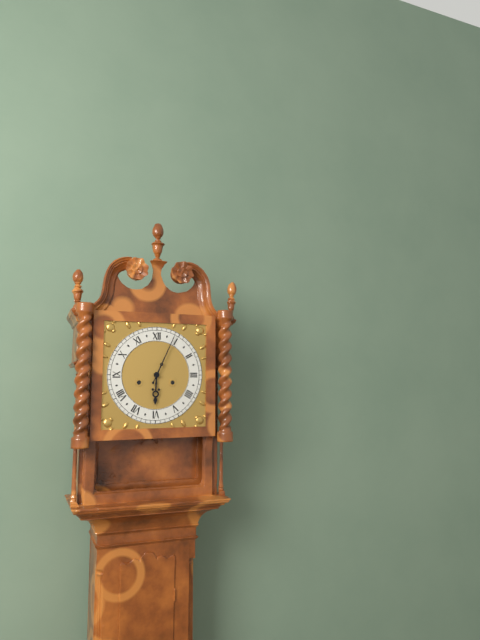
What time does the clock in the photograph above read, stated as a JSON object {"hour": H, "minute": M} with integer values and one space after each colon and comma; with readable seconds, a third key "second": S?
{"hour": 6, "minute": 4}
